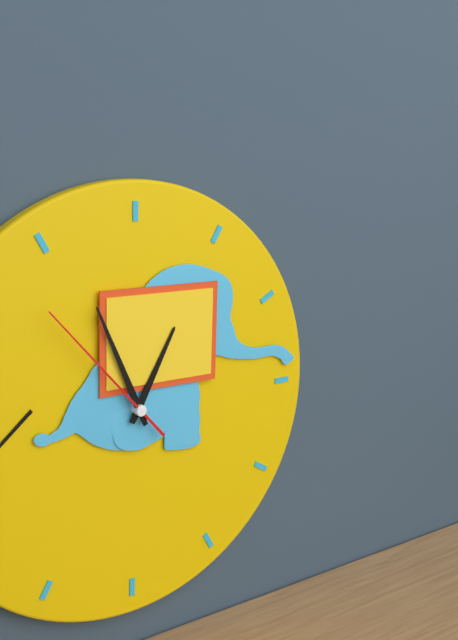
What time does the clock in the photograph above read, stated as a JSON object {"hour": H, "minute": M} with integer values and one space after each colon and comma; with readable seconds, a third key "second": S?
{"hour": 12, "minute": 56, "second": 53}
